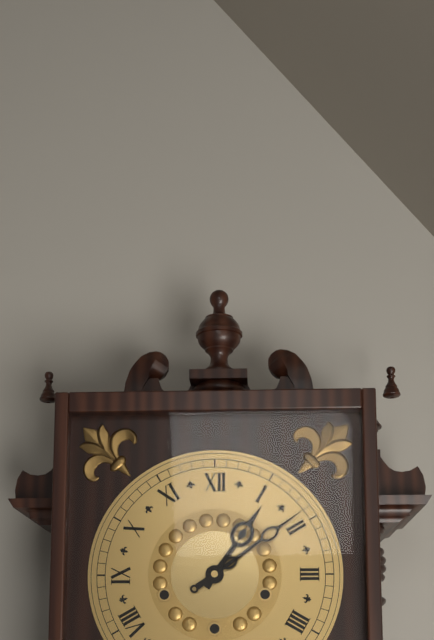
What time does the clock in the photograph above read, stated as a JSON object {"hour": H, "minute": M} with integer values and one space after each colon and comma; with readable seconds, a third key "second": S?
{"hour": 1, "minute": 9}
